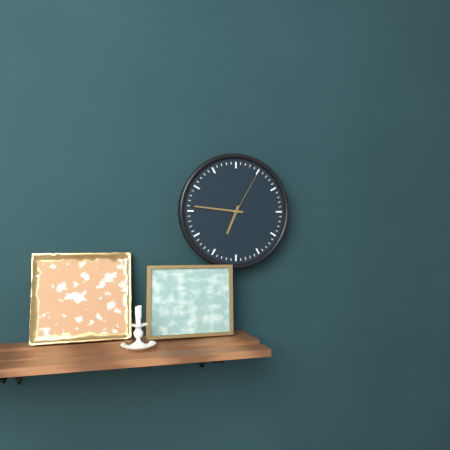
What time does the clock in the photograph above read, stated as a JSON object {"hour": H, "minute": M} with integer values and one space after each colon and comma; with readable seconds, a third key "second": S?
{"hour": 6, "minute": 46, "second": 5}
